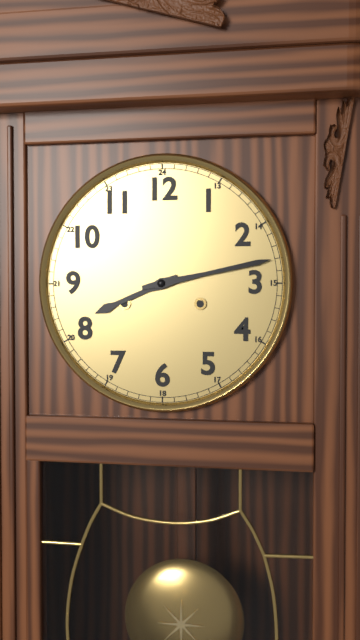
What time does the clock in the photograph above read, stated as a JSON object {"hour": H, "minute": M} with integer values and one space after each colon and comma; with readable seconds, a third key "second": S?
{"hour": 8, "minute": 13}
